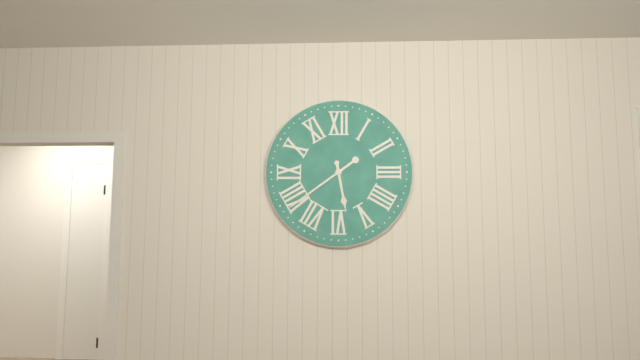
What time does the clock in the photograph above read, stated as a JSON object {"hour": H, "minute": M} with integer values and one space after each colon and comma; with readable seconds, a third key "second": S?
{"hour": 5, "minute": 39}
